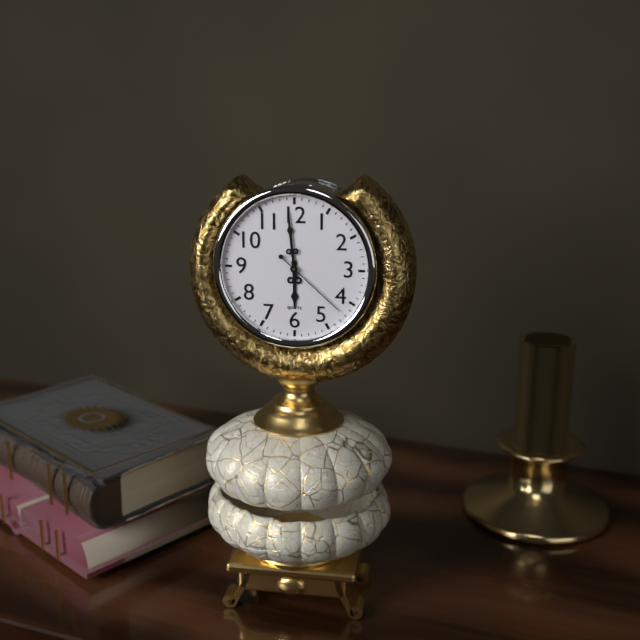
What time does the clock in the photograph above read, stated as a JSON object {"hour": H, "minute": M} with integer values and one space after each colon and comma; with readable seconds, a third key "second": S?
{"hour": 5, "minute": 59, "second": 22}
